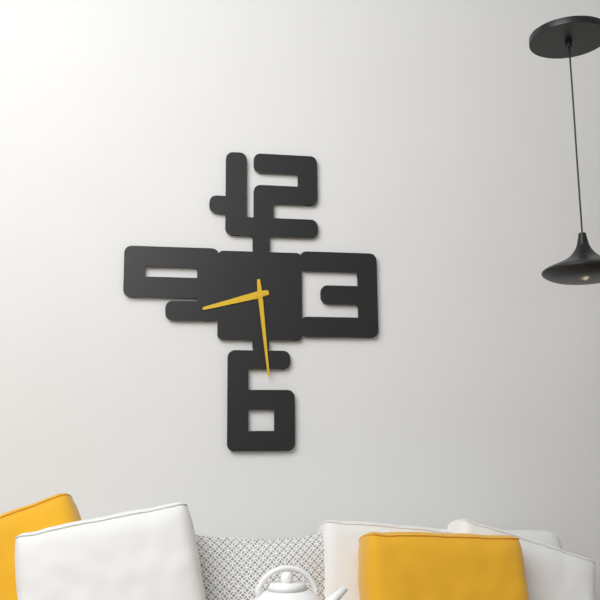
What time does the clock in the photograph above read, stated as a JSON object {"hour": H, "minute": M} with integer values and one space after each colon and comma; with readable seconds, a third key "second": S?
{"hour": 8, "minute": 29}
